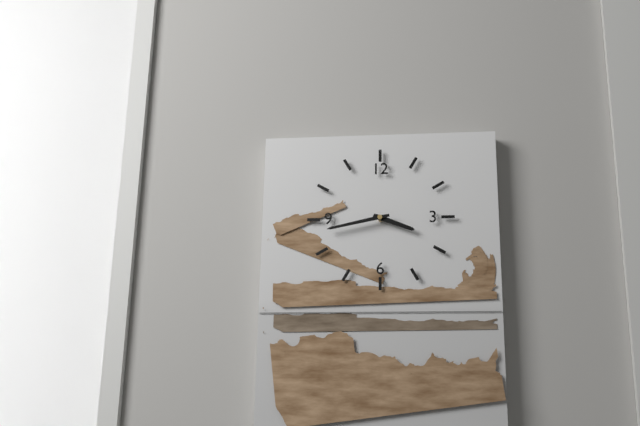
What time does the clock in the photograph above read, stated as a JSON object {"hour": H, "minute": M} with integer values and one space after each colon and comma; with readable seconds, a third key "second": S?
{"hour": 3, "minute": 43}
